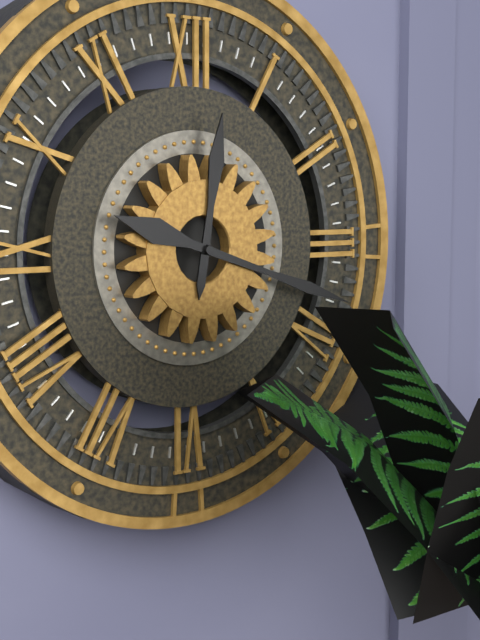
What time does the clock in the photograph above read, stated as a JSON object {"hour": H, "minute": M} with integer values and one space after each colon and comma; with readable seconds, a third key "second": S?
{"hour": 12, "minute": 18}
